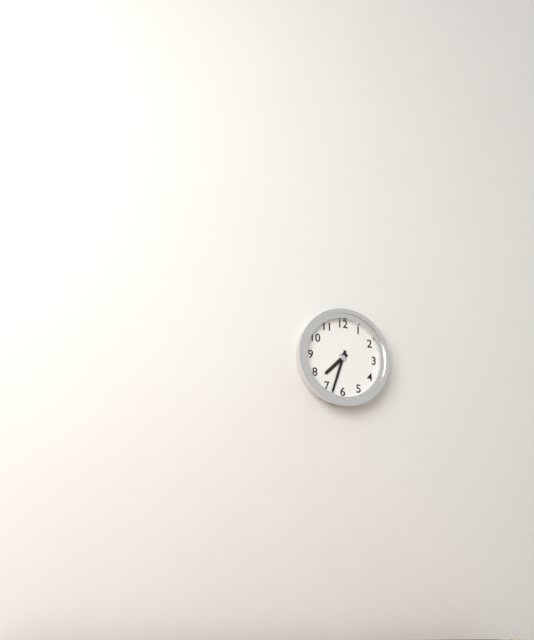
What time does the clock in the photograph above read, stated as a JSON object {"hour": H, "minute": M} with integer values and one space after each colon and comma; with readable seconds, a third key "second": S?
{"hour": 7, "minute": 33}
